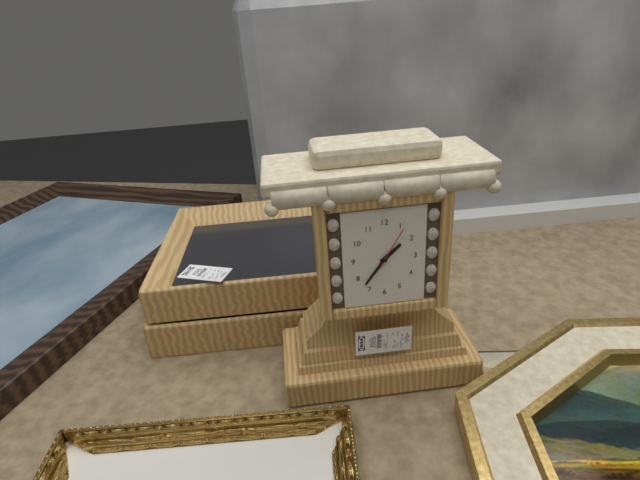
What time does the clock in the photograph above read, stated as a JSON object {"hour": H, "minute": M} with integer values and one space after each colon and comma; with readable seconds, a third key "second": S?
{"hour": 1, "minute": 36}
